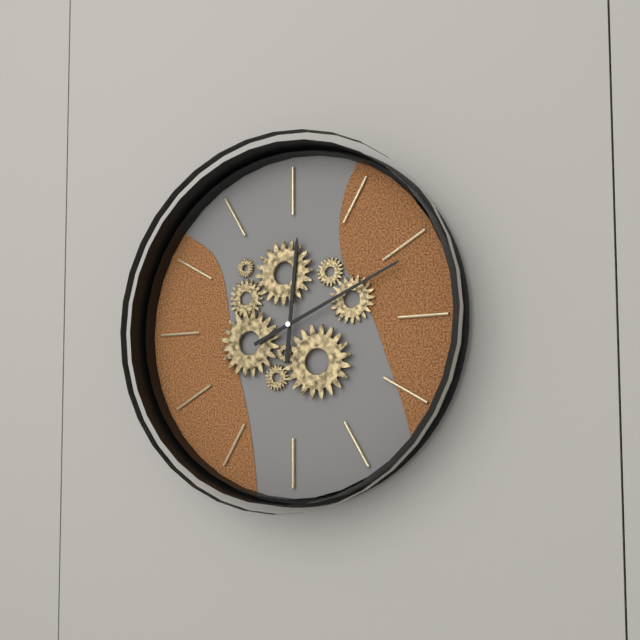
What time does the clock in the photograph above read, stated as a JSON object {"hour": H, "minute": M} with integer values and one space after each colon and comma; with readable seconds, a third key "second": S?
{"hour": 12, "minute": 11}
